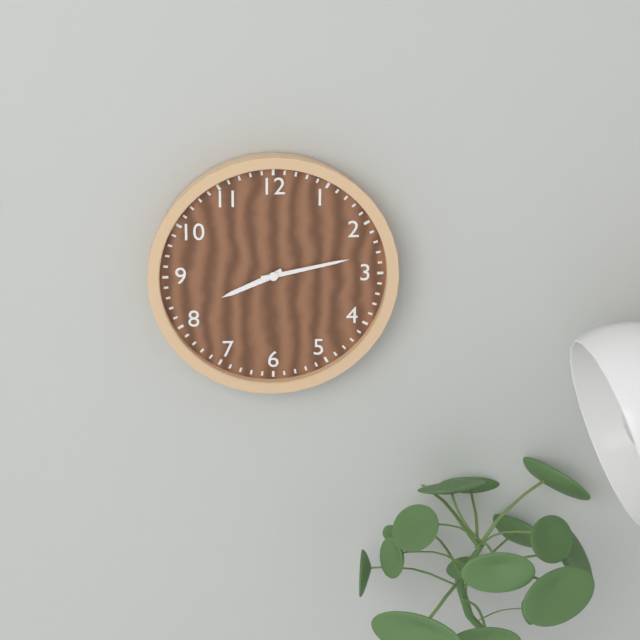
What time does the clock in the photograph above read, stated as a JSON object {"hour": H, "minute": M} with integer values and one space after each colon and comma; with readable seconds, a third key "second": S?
{"hour": 8, "minute": 13}
